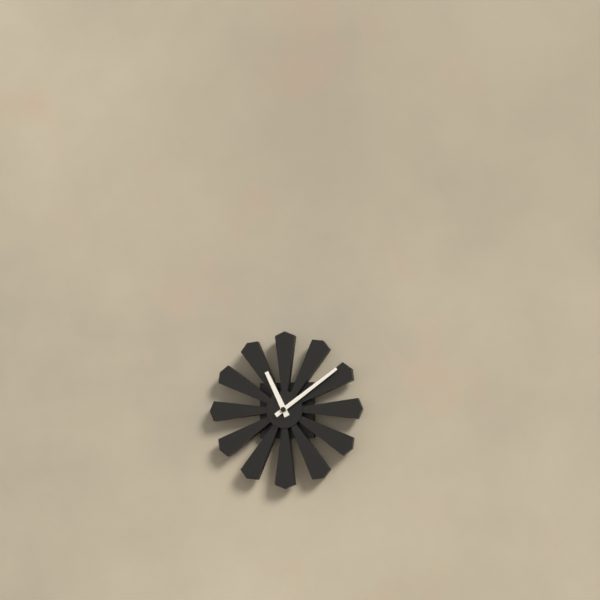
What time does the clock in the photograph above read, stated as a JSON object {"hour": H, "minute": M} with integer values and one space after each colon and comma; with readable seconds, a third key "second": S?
{"hour": 11, "minute": 9}
